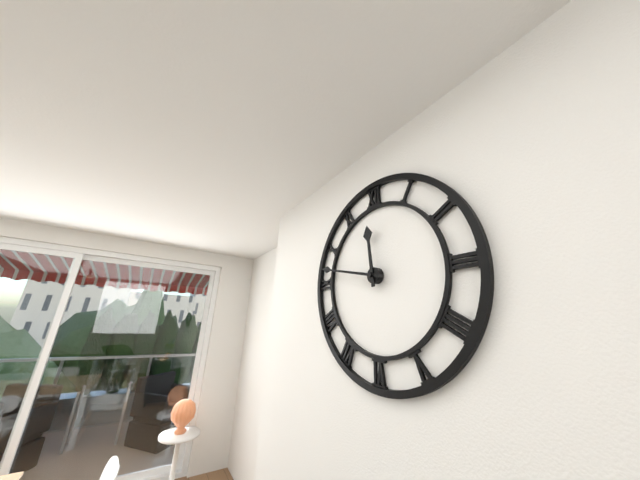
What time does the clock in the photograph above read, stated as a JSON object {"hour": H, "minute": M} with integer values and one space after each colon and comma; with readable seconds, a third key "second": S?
{"hour": 11, "minute": 47}
